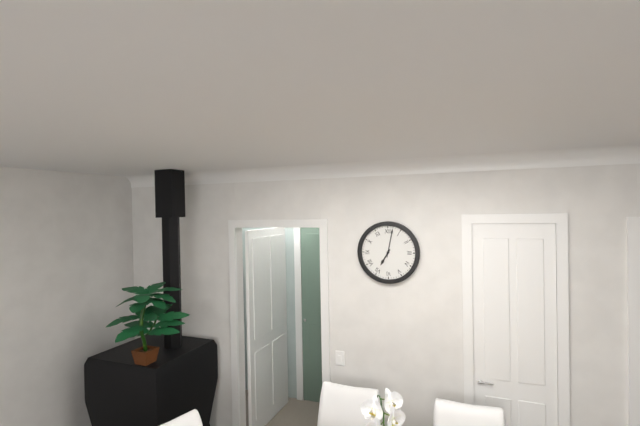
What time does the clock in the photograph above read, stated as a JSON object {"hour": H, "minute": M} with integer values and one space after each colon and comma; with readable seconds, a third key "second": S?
{"hour": 7, "minute": 2}
